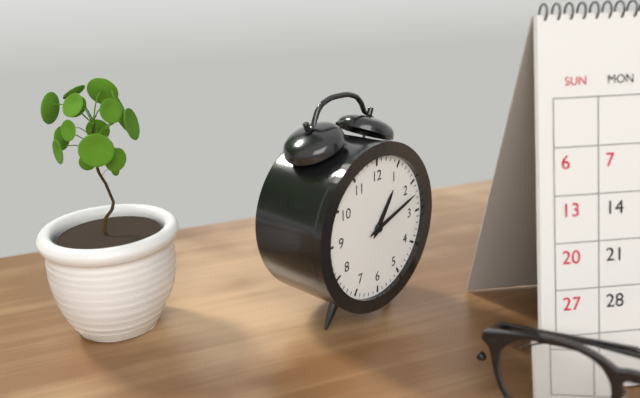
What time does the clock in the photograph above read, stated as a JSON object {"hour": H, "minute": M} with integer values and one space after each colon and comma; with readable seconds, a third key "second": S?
{"hour": 1, "minute": 12}
